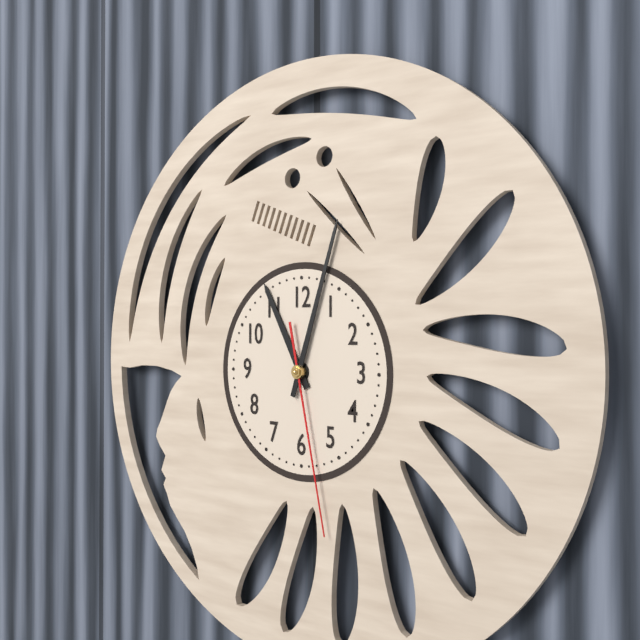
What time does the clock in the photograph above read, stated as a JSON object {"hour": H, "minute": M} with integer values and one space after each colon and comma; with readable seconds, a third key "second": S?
{"hour": 11, "minute": 3, "second": 28}
